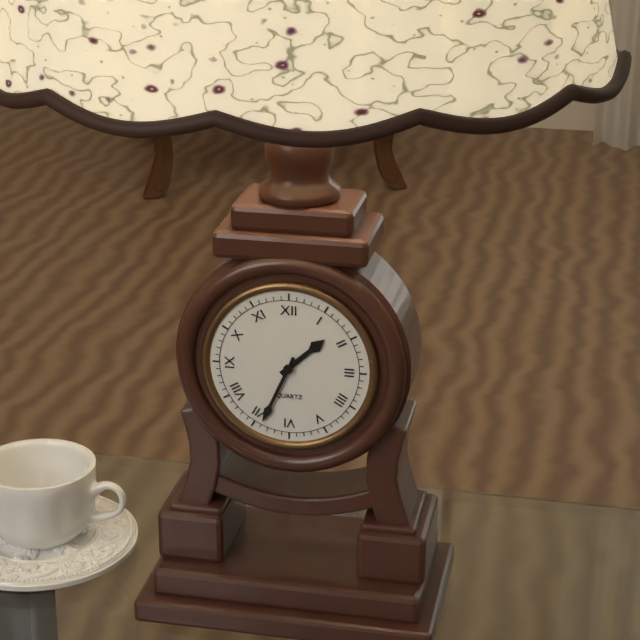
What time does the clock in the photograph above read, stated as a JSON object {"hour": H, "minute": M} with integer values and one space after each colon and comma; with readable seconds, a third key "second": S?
{"hour": 1, "minute": 34}
